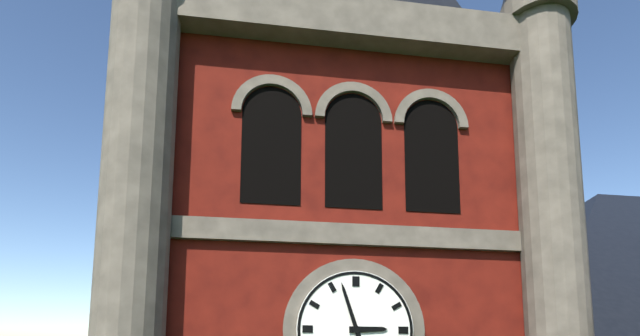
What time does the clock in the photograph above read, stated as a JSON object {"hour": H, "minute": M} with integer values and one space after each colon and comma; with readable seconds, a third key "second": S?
{"hour": 2, "minute": 57}
